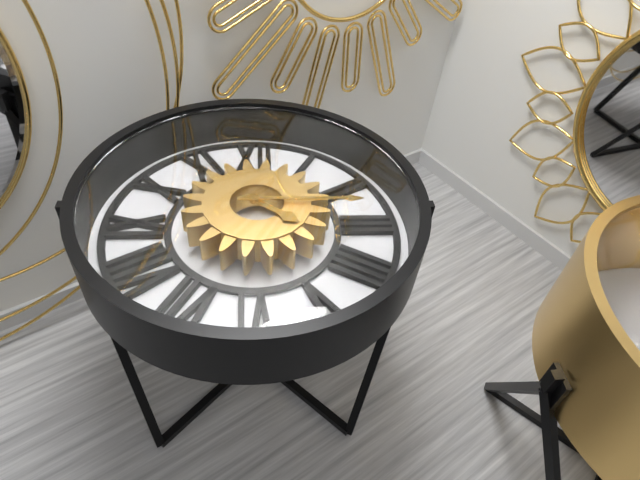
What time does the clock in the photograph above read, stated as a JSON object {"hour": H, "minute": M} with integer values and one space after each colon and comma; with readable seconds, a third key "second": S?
{"hour": 4, "minute": 15}
